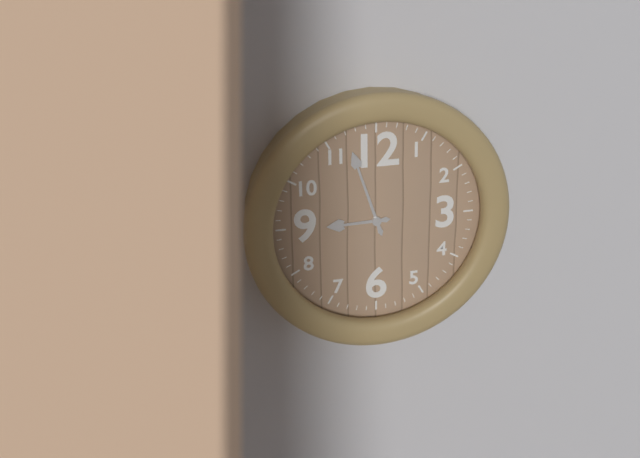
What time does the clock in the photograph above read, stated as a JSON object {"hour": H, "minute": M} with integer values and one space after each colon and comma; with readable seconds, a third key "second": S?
{"hour": 8, "minute": 57}
